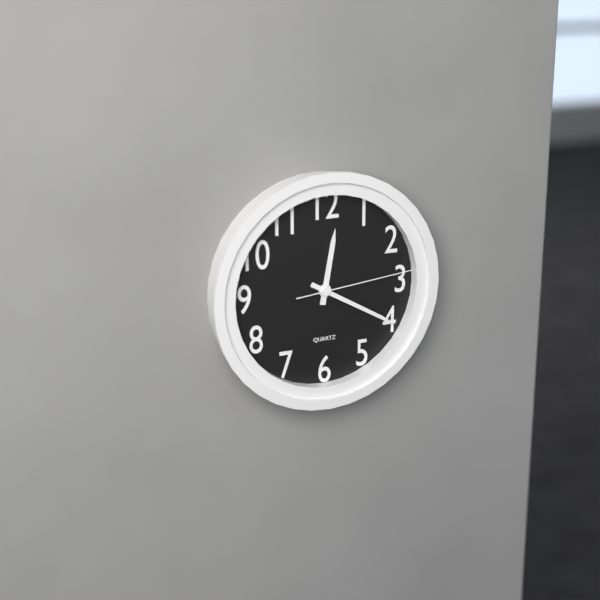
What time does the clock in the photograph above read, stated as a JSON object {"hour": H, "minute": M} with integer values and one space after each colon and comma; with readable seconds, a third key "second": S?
{"hour": 12, "minute": 20, "second": 14}
